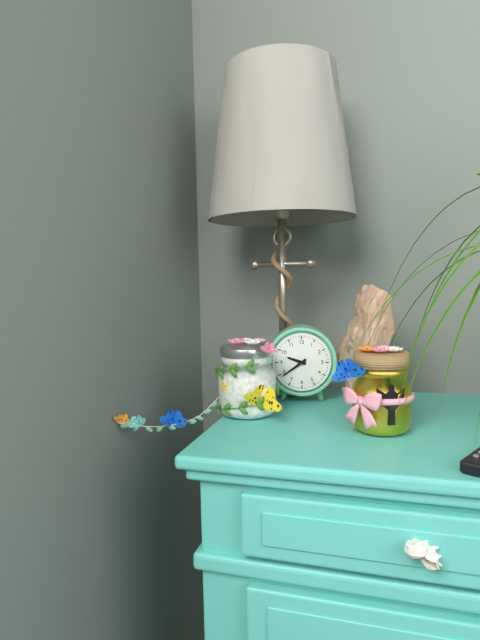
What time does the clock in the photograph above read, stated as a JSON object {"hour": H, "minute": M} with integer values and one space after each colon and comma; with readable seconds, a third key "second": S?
{"hour": 9, "minute": 39}
